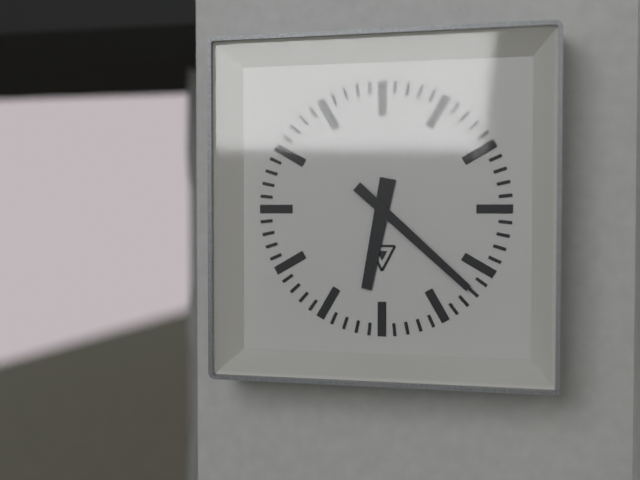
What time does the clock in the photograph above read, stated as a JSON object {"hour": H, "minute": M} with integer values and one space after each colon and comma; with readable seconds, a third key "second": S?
{"hour": 6, "minute": 22}
